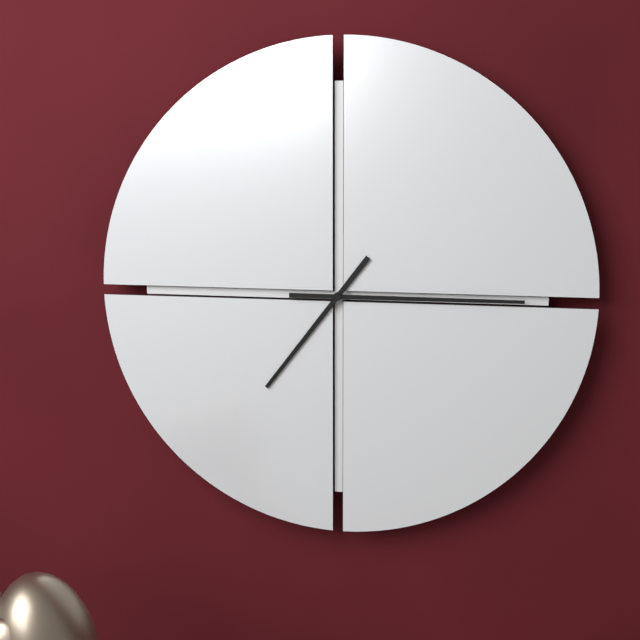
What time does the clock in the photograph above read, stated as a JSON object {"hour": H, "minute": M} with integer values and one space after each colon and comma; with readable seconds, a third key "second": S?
{"hour": 7, "minute": 15}
